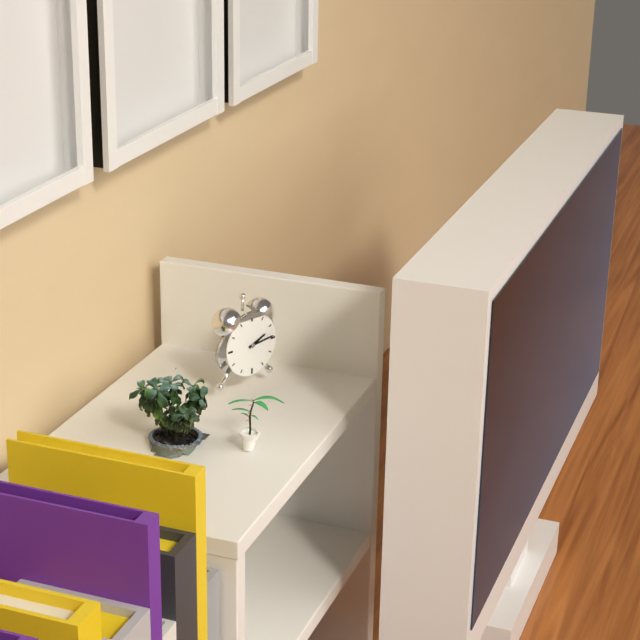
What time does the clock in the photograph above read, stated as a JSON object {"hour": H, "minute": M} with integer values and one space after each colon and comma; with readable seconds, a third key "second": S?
{"hour": 2, "minute": 14}
